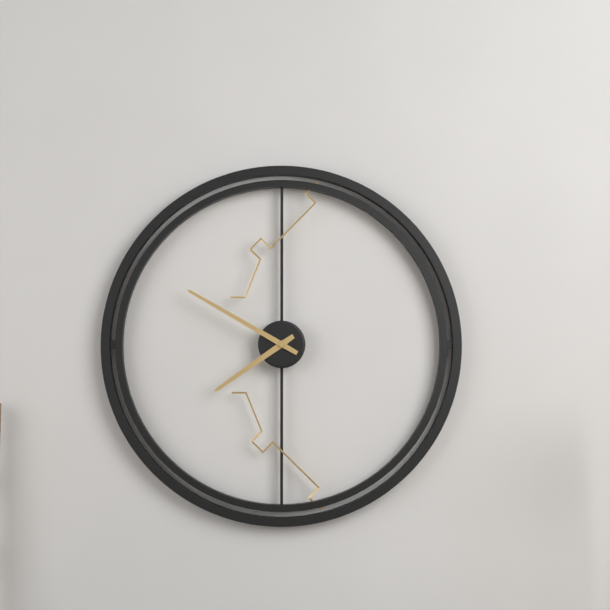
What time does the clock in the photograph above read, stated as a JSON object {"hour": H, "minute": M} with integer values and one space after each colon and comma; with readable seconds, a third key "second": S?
{"hour": 7, "minute": 50}
